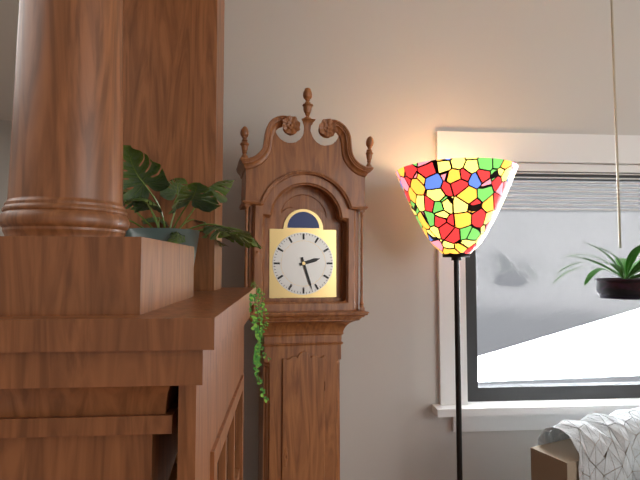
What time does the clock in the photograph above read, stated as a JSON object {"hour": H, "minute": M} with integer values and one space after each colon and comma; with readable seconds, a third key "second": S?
{"hour": 2, "minute": 27}
